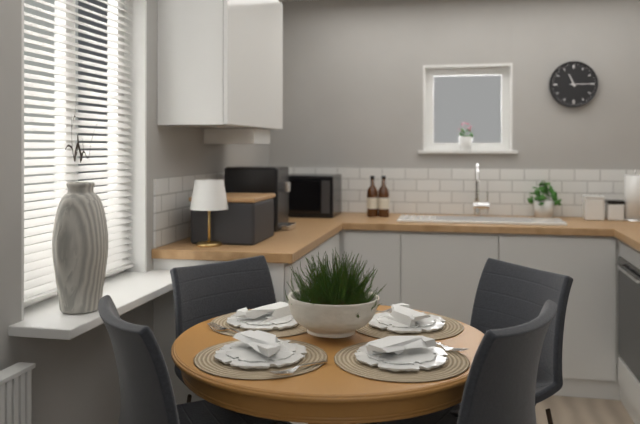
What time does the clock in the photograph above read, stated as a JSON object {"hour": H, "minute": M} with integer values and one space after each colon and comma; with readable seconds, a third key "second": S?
{"hour": 11, "minute": 15}
